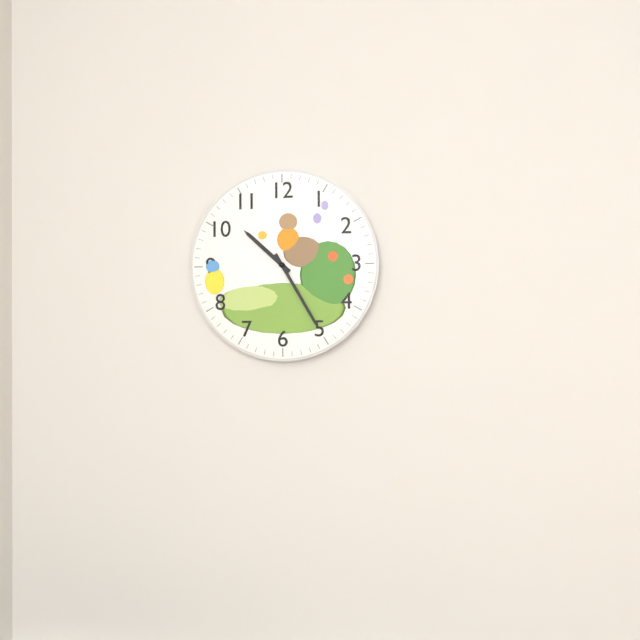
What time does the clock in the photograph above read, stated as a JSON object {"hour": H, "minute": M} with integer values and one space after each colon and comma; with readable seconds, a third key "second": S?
{"hour": 10, "minute": 25}
